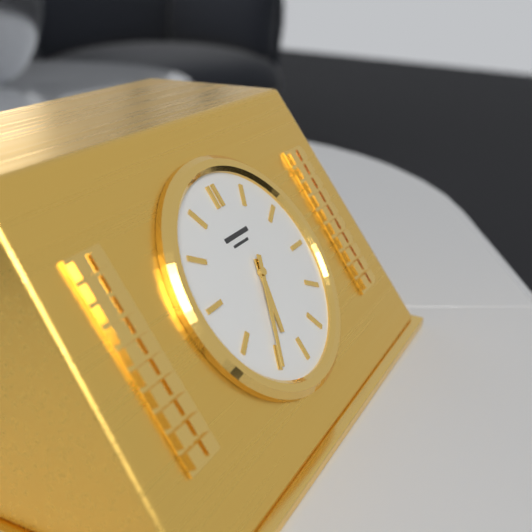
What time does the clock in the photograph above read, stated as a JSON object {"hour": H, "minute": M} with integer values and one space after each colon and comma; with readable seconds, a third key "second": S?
{"hour": 6, "minute": 35}
